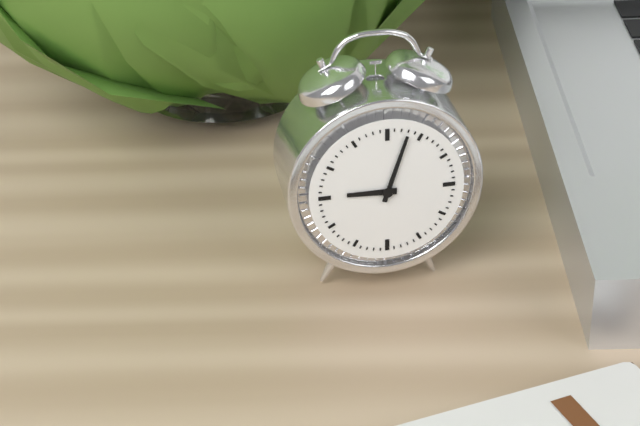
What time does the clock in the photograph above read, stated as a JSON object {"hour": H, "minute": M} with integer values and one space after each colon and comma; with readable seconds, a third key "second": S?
{"hour": 9, "minute": 3}
